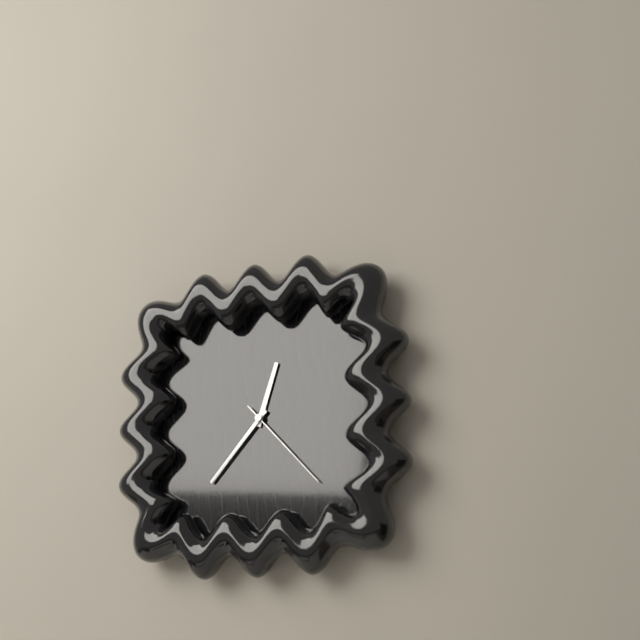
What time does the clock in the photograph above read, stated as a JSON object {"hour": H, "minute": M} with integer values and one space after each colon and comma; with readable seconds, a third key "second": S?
{"hour": 12, "minute": 37, "second": 23}
